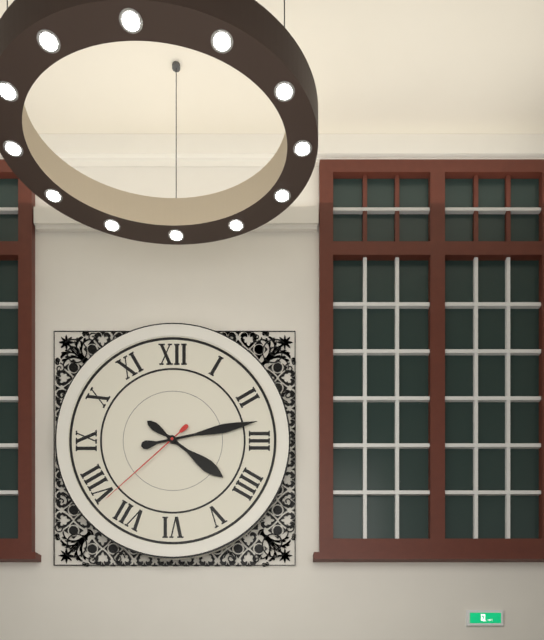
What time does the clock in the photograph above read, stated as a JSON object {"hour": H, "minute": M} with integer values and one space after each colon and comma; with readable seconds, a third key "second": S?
{"hour": 4, "minute": 13, "second": 38}
